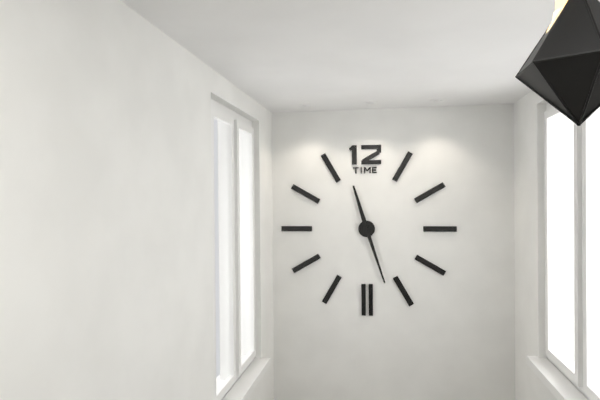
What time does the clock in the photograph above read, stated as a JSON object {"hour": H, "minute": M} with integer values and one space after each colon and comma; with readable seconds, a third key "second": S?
{"hour": 11, "minute": 27}
